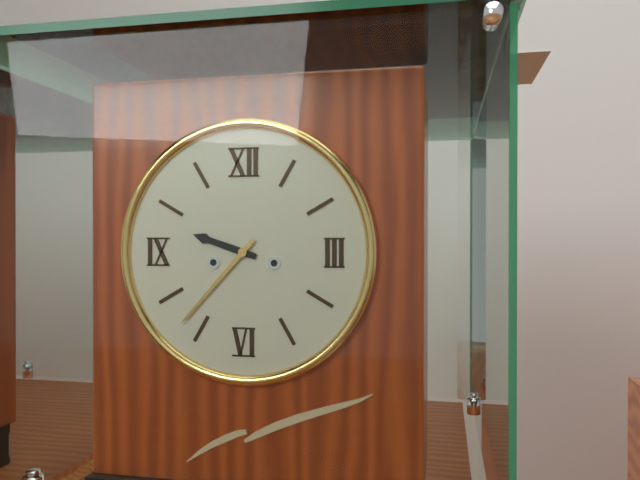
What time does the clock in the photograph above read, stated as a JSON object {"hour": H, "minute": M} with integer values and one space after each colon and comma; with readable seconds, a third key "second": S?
{"hour": 9, "minute": 37}
